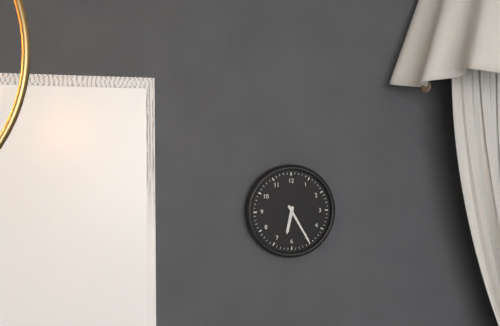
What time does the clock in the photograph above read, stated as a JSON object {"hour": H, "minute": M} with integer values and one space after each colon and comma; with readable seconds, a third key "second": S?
{"hour": 6, "minute": 25}
